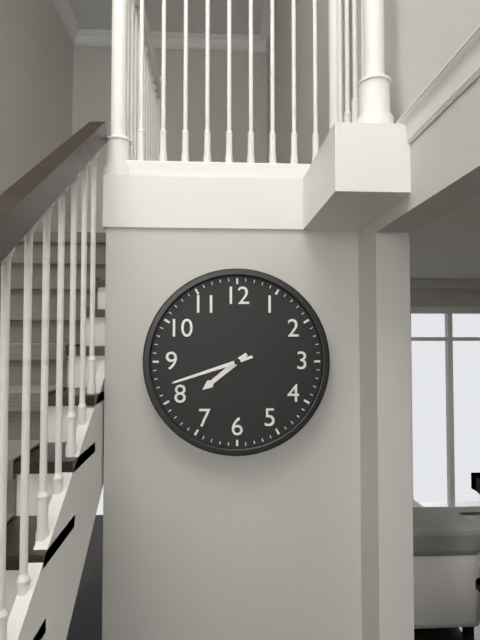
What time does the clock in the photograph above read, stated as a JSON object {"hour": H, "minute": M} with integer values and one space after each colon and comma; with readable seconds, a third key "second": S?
{"hour": 7, "minute": 42}
